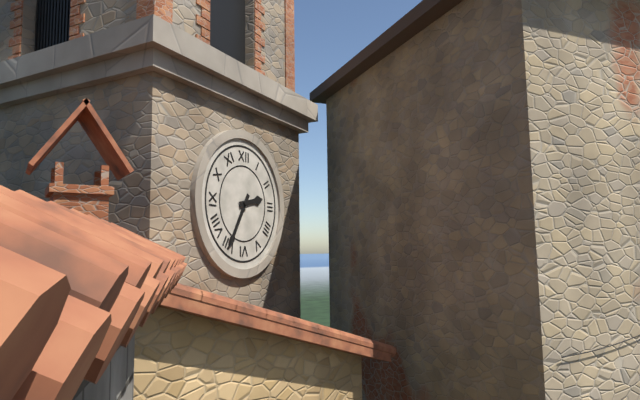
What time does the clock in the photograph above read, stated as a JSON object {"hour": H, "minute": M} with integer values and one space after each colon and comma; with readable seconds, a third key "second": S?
{"hour": 2, "minute": 35}
